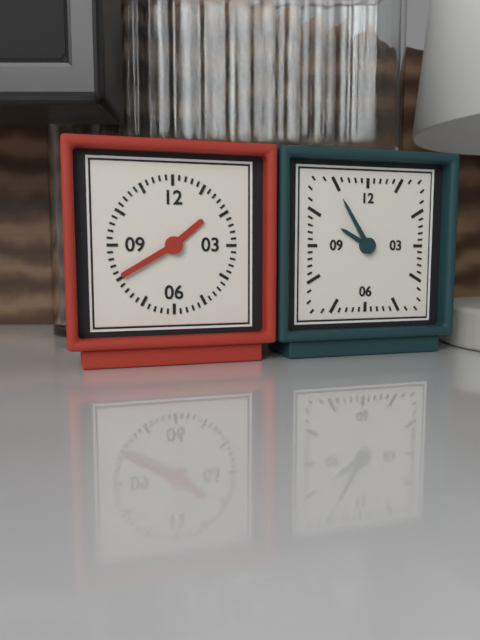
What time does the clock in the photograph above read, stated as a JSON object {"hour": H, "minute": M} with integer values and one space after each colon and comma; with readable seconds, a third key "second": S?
{"hour": 1, "minute": 40}
